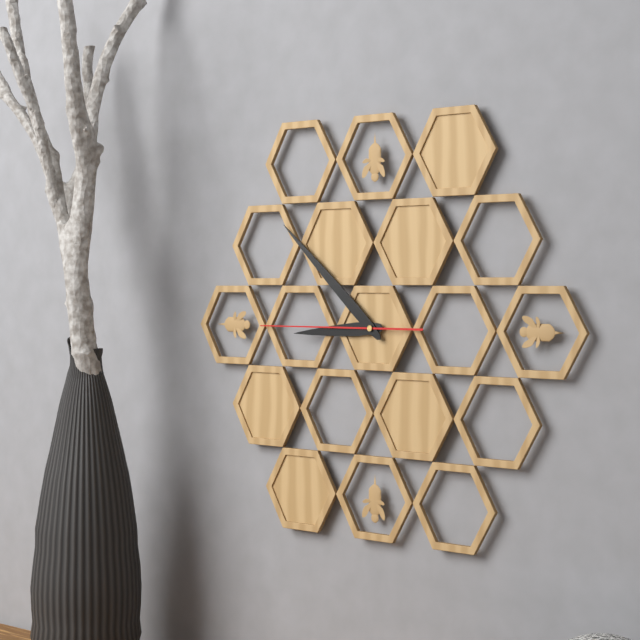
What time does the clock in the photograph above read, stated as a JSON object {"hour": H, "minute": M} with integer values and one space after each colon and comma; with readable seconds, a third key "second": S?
{"hour": 8, "minute": 52, "second": 45}
